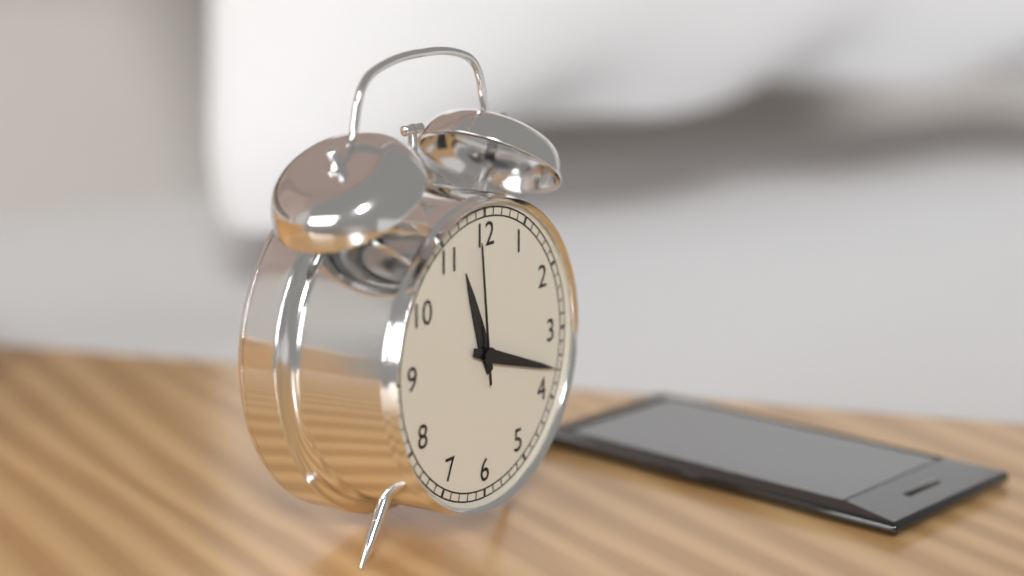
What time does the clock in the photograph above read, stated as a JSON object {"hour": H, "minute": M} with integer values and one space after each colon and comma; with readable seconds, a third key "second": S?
{"hour": 11, "minute": 18, "second": 59}
